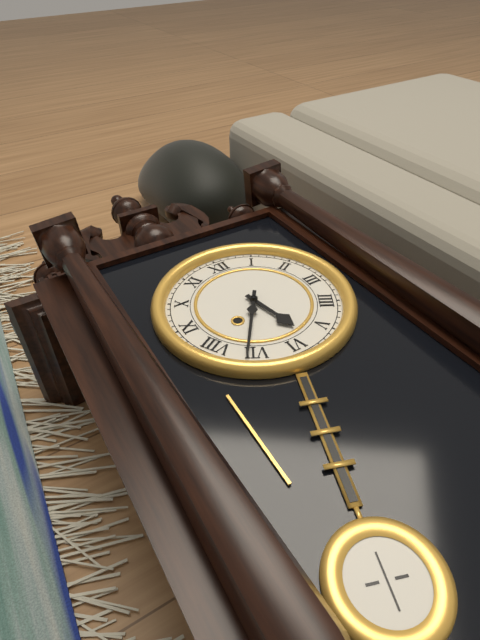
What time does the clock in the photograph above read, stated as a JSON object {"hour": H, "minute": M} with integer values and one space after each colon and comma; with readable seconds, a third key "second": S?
{"hour": 5, "minute": 36}
